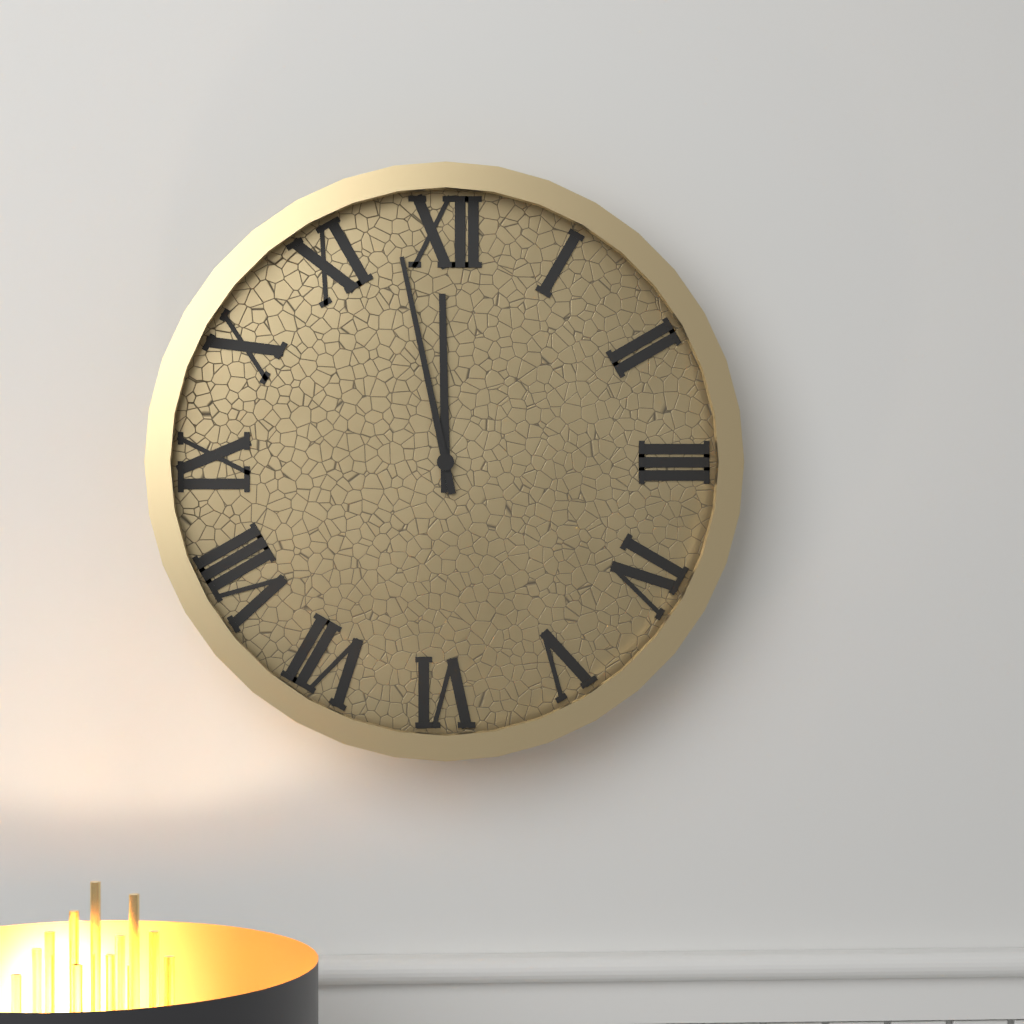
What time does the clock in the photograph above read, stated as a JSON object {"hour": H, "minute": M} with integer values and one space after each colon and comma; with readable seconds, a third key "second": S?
{"hour": 11, "minute": 58}
